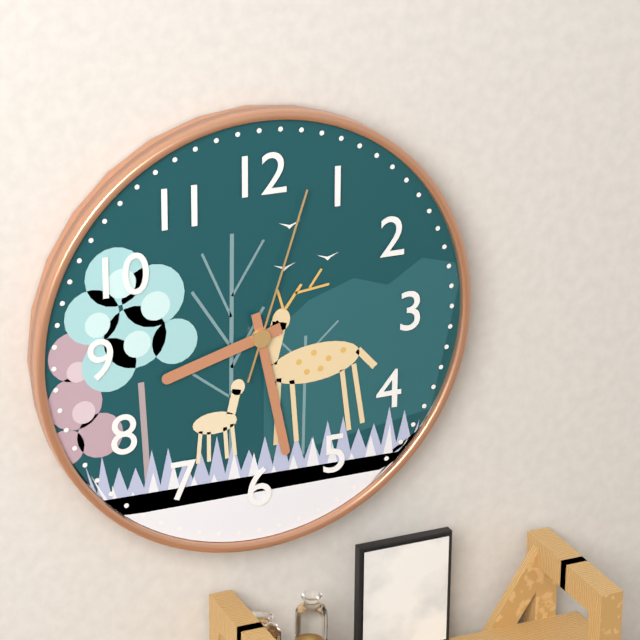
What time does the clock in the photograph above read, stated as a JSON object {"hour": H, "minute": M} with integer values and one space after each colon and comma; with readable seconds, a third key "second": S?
{"hour": 8, "minute": 28, "second": 3}
